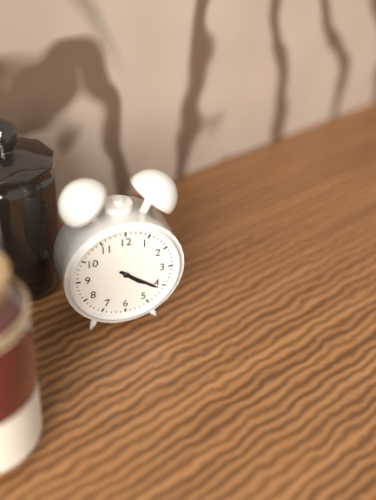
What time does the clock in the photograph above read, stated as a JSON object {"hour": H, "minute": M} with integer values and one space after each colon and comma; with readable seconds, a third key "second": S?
{"hour": 4, "minute": 21}
